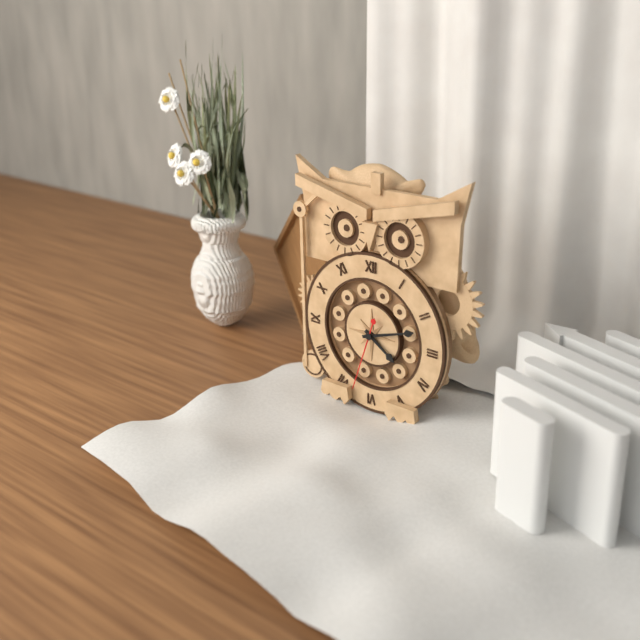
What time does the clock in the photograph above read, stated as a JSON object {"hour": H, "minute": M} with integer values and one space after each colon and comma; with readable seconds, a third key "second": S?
{"hour": 4, "minute": 12, "second": 33}
